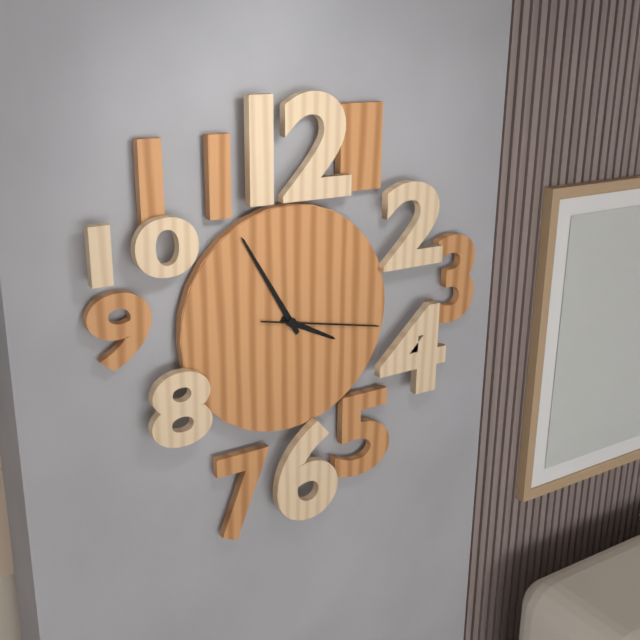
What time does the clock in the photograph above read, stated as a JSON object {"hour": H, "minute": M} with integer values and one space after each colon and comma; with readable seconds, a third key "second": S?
{"hour": 3, "minute": 55, "second": 17}
